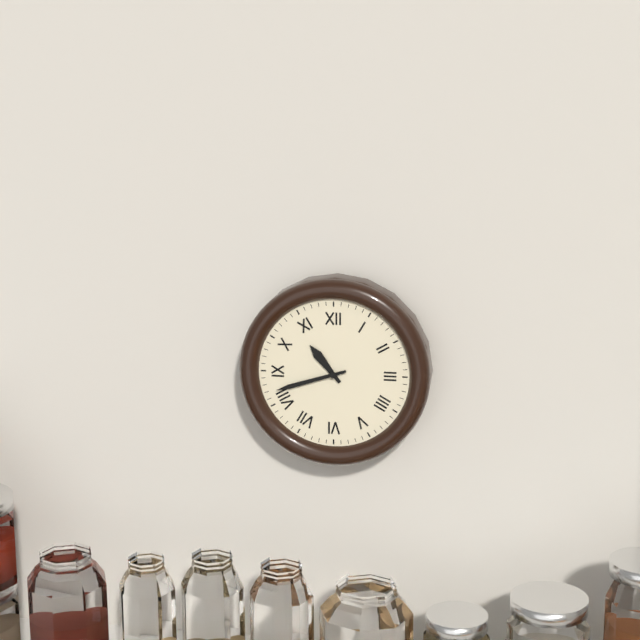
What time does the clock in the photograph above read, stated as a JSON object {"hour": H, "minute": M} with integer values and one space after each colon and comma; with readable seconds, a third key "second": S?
{"hour": 10, "minute": 42}
